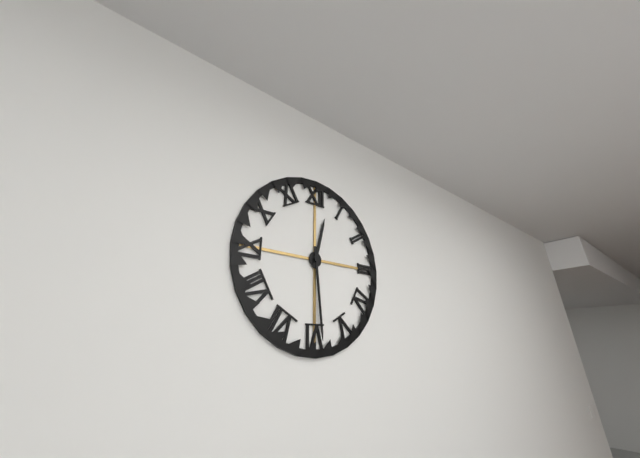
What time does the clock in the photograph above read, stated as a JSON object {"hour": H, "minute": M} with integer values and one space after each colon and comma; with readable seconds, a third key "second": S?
{"hour": 12, "minute": 29}
